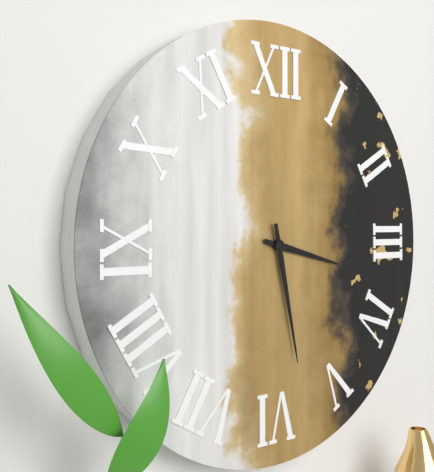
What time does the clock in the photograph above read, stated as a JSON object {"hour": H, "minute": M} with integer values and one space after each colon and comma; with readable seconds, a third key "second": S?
{"hour": 3, "minute": 28}
